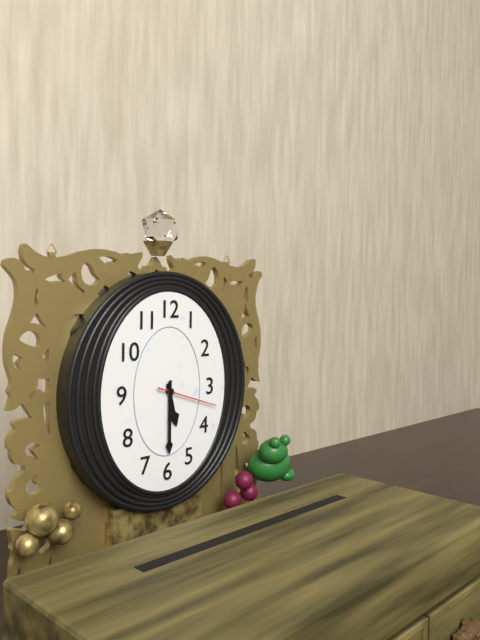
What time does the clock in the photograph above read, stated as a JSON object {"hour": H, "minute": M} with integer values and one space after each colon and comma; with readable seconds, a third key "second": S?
{"hour": 5, "minute": 30, "second": 18}
